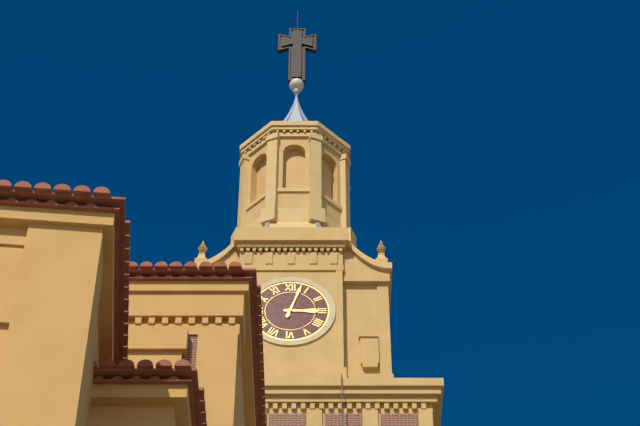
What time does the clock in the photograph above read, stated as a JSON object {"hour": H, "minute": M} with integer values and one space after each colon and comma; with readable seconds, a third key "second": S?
{"hour": 3, "minute": 3}
